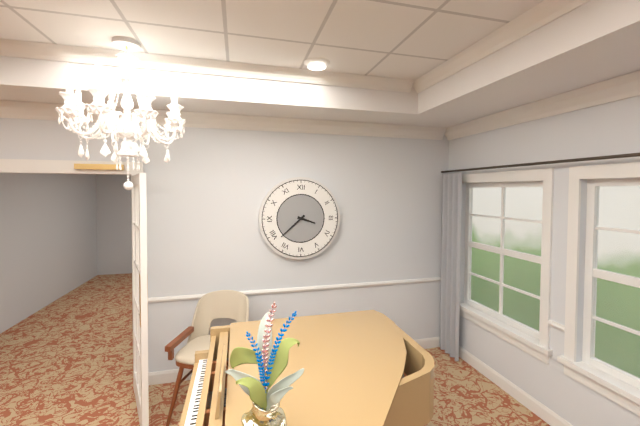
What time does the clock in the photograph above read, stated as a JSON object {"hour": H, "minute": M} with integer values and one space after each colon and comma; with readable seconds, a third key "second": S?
{"hour": 3, "minute": 38}
